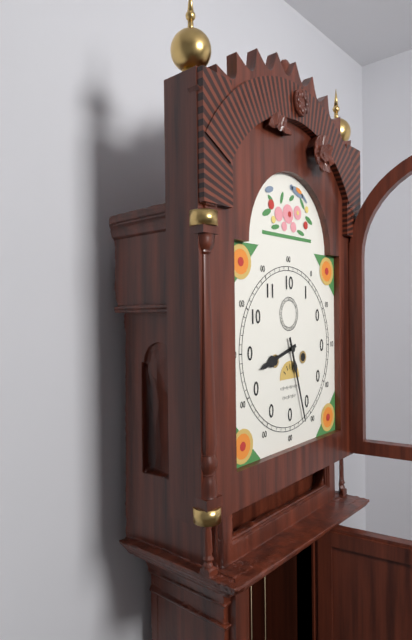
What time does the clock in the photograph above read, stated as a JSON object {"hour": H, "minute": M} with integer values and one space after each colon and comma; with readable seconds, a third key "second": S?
{"hour": 8, "minute": 27}
